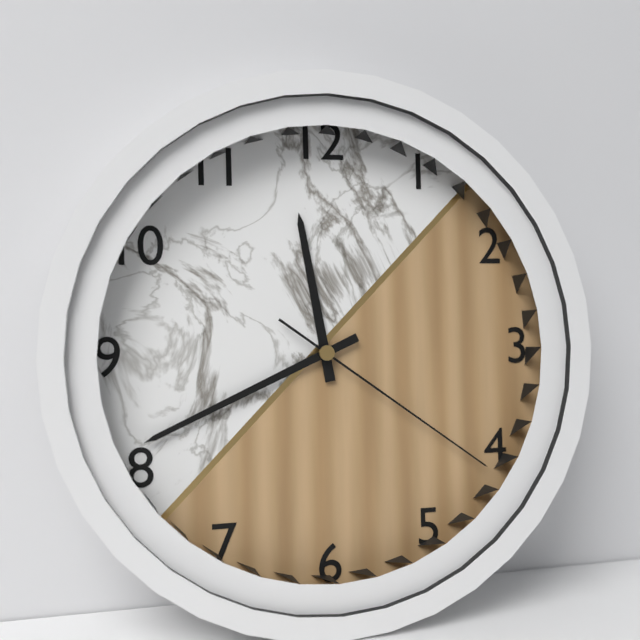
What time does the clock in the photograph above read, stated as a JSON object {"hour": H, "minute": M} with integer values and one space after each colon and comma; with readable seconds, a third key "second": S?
{"hour": 11, "minute": 41, "second": 21}
